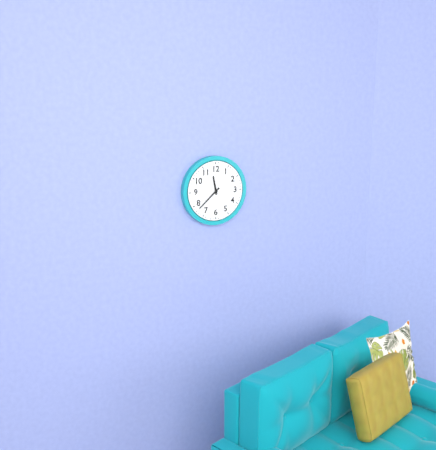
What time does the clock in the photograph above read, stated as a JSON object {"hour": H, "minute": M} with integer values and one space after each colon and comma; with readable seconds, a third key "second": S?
{"hour": 11, "minute": 38}
